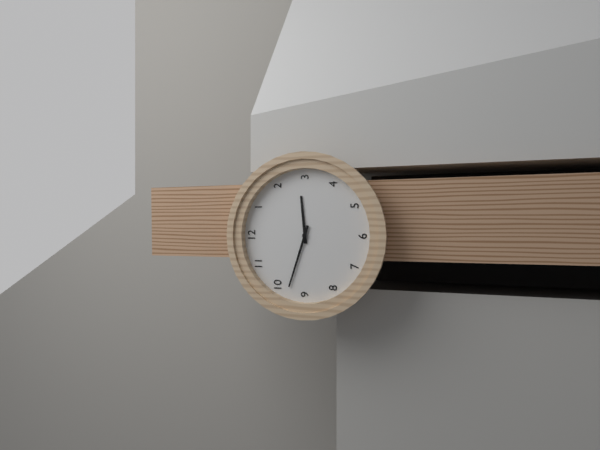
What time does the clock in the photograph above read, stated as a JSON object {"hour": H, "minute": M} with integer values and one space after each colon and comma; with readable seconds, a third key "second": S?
{"hour": 2, "minute": 48}
